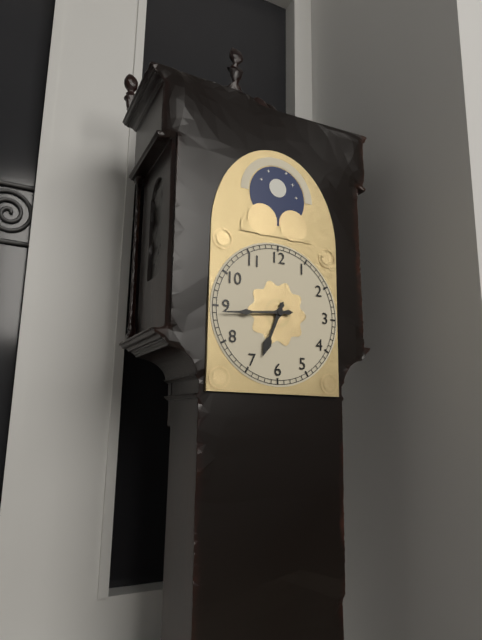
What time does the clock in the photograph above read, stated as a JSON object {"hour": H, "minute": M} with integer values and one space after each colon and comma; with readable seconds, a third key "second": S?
{"hour": 6, "minute": 44}
